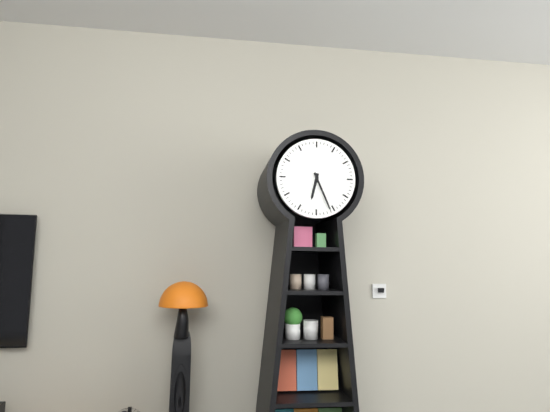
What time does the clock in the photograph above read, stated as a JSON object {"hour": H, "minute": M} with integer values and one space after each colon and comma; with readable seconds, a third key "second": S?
{"hour": 6, "minute": 26}
